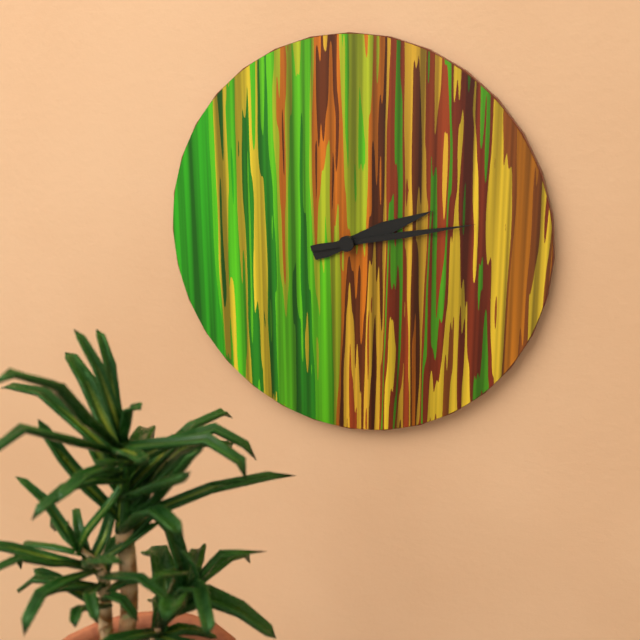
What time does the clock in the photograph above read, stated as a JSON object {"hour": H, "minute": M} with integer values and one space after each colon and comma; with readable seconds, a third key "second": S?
{"hour": 2, "minute": 13}
